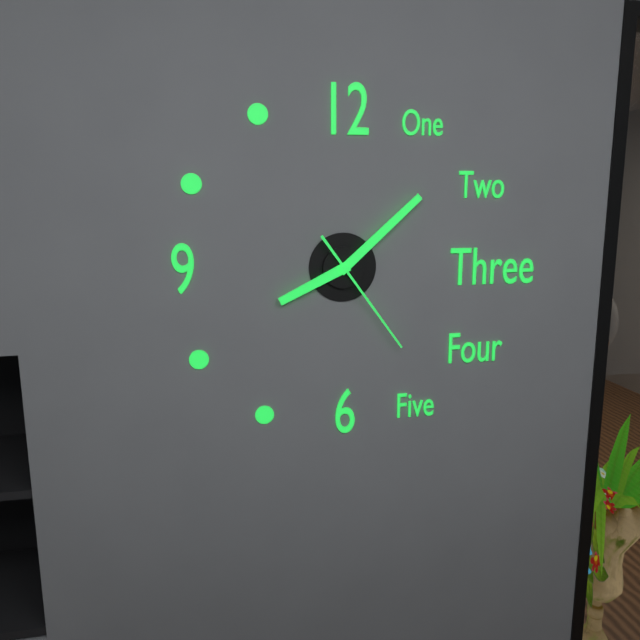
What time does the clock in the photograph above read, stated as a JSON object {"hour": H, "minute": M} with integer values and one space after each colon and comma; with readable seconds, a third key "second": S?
{"hour": 8, "minute": 8, "second": 24}
